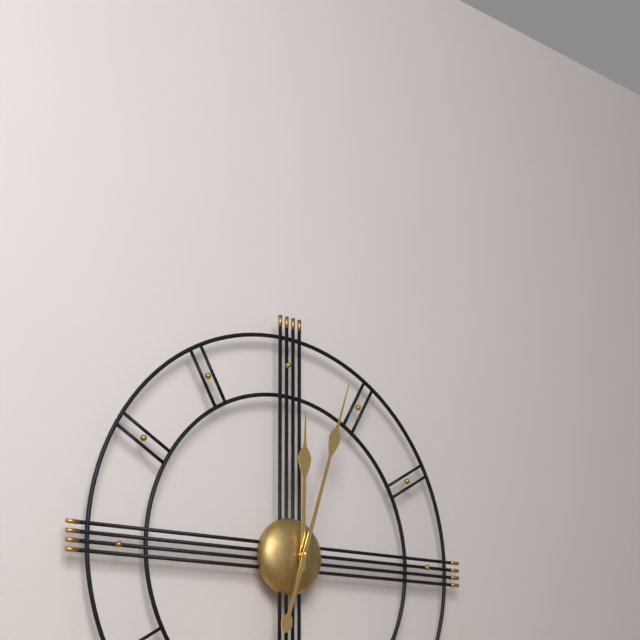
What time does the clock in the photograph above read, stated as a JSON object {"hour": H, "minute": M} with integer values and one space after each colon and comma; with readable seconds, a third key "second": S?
{"hour": 12, "minute": 3}
